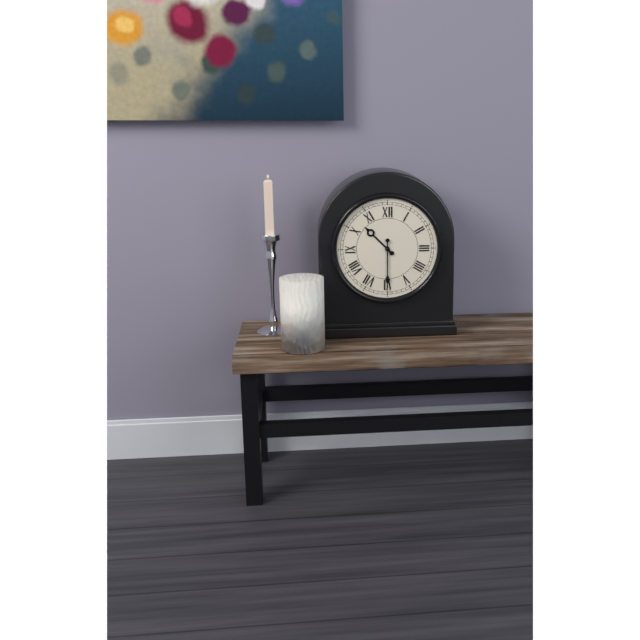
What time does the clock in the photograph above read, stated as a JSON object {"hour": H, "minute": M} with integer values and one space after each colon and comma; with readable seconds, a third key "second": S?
{"hour": 10, "minute": 30}
